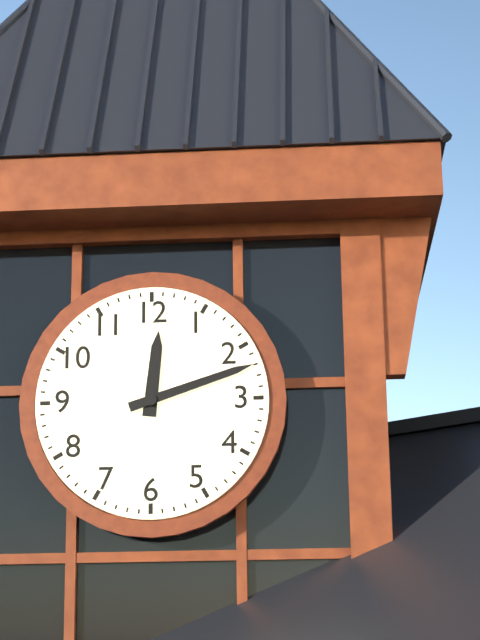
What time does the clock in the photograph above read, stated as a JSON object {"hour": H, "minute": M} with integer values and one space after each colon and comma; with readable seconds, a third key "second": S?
{"hour": 12, "minute": 12}
